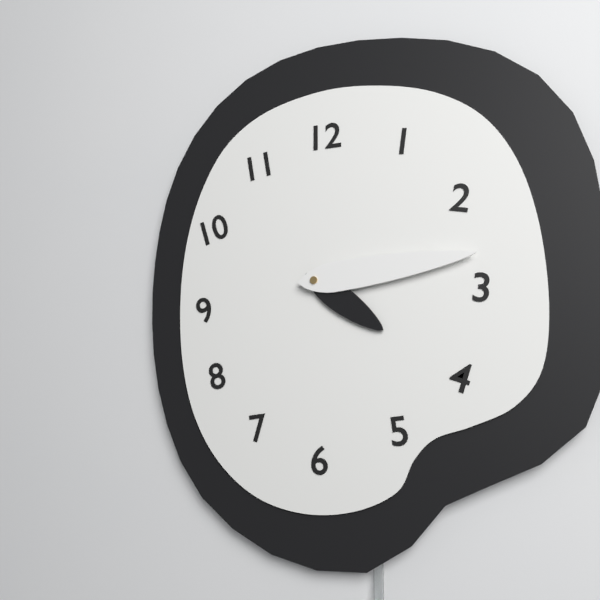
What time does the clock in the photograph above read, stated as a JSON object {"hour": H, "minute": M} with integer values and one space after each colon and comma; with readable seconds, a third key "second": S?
{"hour": 4, "minute": 14}
